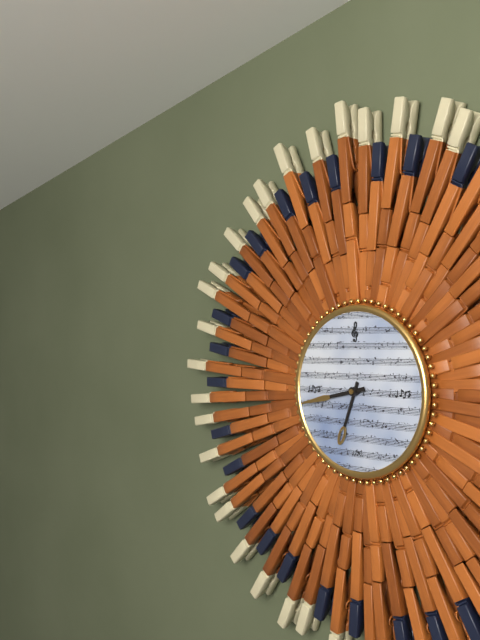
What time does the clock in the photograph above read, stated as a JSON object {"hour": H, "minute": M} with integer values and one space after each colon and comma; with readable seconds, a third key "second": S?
{"hour": 6, "minute": 43}
